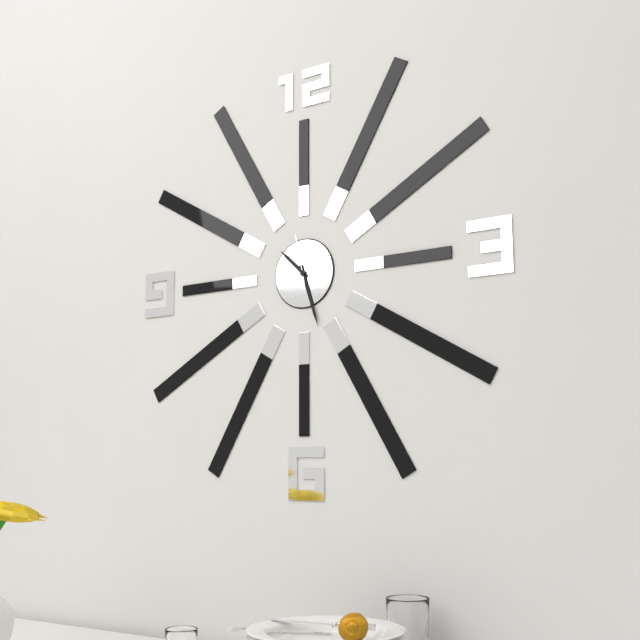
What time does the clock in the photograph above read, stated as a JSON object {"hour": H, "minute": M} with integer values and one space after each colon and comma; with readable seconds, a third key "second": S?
{"hour": 10, "minute": 27, "second": 58}
